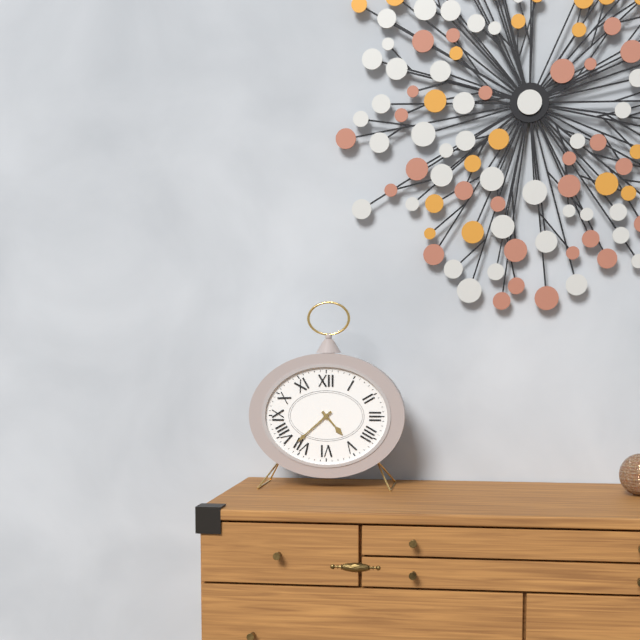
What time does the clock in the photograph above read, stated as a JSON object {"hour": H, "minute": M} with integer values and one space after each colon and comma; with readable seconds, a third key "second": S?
{"hour": 4, "minute": 38}
